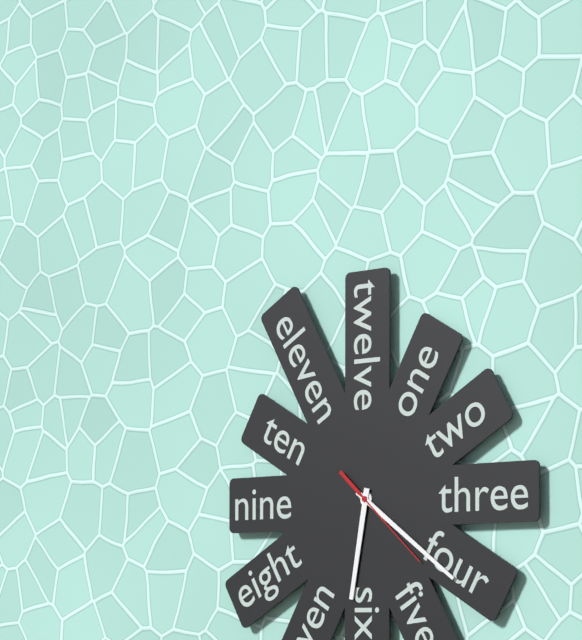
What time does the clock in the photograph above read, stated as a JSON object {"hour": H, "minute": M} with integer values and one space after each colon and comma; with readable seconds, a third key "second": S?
{"hour": 6, "minute": 21, "second": 22}
